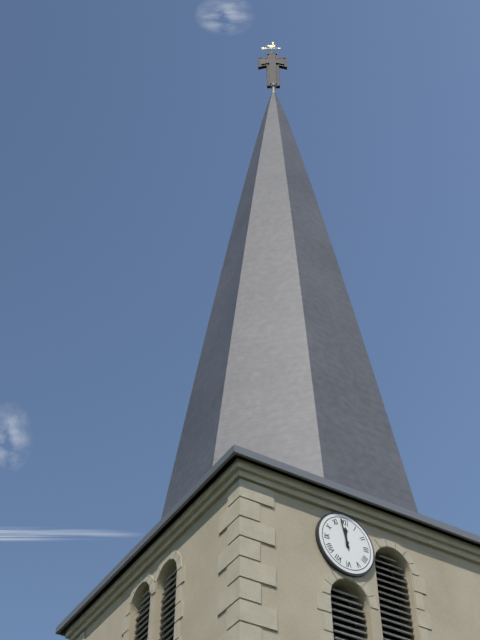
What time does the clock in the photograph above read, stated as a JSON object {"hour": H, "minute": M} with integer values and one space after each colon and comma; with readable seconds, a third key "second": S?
{"hour": 11, "minute": 58}
